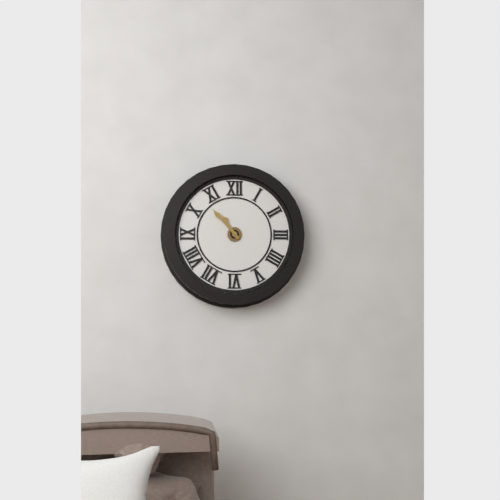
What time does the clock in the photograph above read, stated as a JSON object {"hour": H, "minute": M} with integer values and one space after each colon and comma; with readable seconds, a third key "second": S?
{"hour": 10, "minute": 53}
